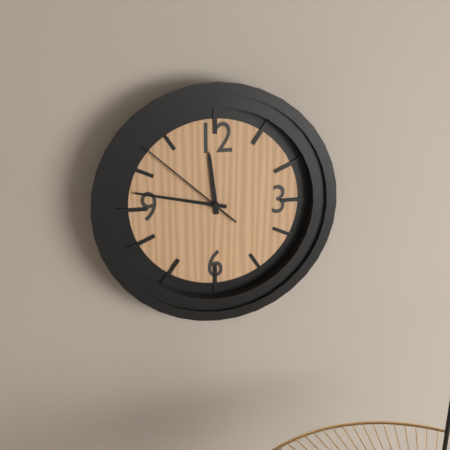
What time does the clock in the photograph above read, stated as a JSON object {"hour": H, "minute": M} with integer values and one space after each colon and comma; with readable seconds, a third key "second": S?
{"hour": 11, "minute": 47, "second": 52}
